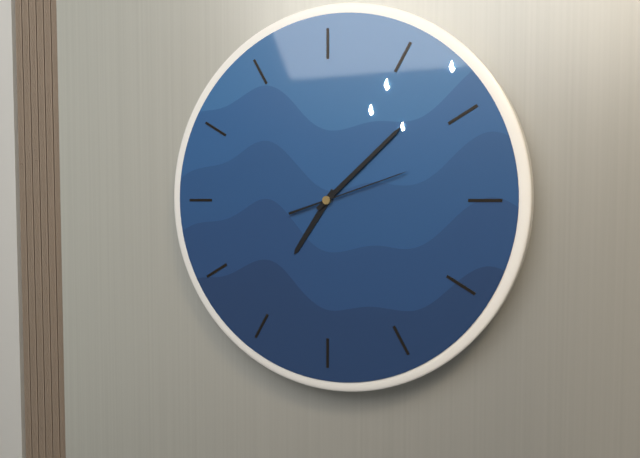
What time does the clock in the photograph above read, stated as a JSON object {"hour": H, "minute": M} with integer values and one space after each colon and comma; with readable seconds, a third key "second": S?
{"hour": 7, "minute": 8, "second": 12}
